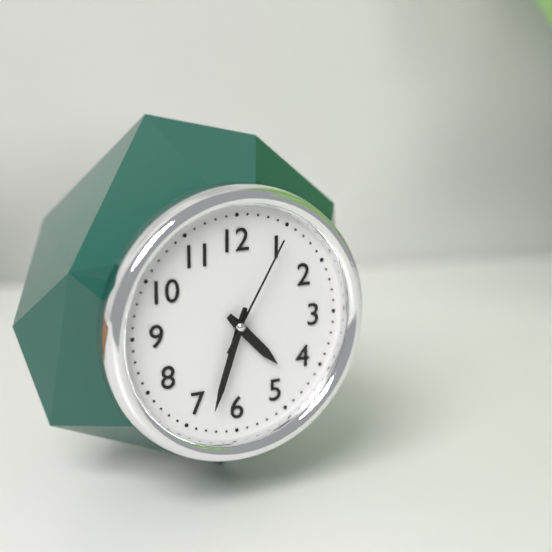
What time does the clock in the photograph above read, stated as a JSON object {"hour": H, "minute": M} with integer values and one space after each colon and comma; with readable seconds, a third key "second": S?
{"hour": 4, "minute": 33, "second": 5}
